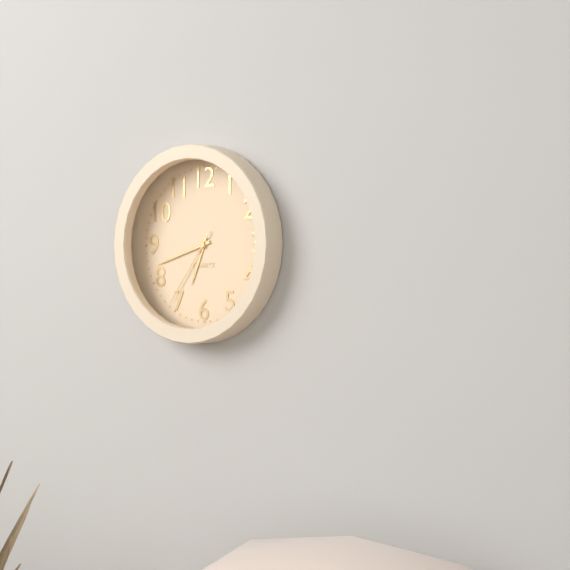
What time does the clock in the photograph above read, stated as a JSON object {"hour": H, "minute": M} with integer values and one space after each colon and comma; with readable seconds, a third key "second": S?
{"hour": 6, "minute": 42, "second": 36}
